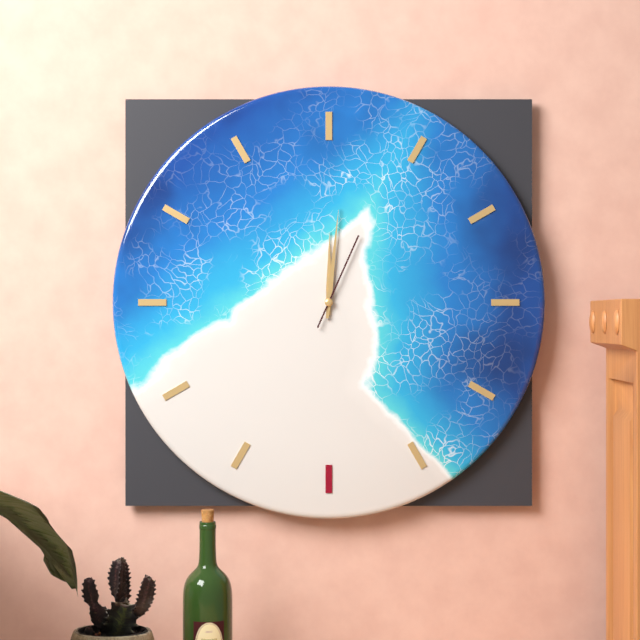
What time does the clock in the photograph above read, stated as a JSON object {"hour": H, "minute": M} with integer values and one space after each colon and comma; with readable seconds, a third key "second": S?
{"hour": 12, "minute": 1, "second": 4}
